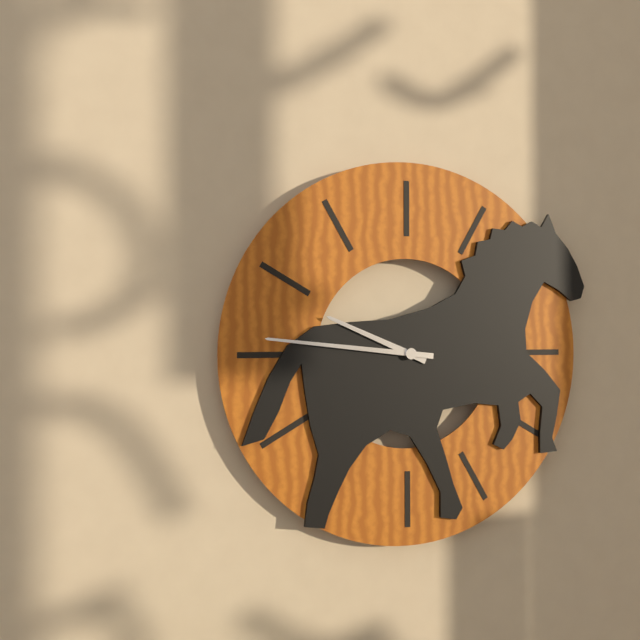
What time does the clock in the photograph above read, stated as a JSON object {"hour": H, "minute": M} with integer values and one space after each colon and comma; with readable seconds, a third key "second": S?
{"hour": 9, "minute": 46}
